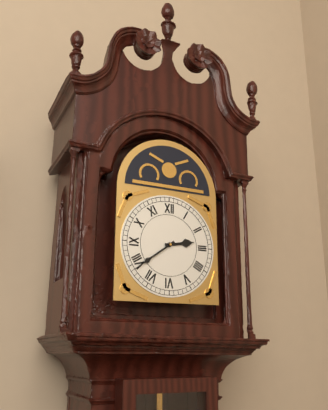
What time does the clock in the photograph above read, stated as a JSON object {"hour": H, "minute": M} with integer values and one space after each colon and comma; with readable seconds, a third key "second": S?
{"hour": 2, "minute": 39}
